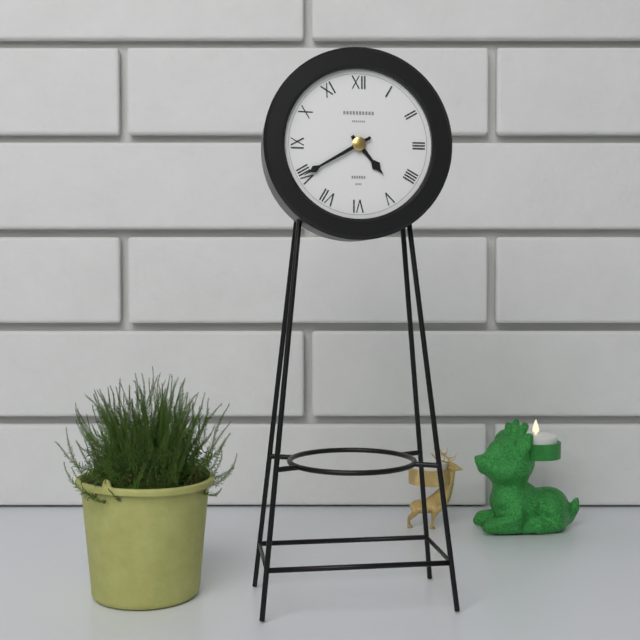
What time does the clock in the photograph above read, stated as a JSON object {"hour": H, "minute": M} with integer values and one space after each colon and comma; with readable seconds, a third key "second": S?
{"hour": 4, "minute": 40}
